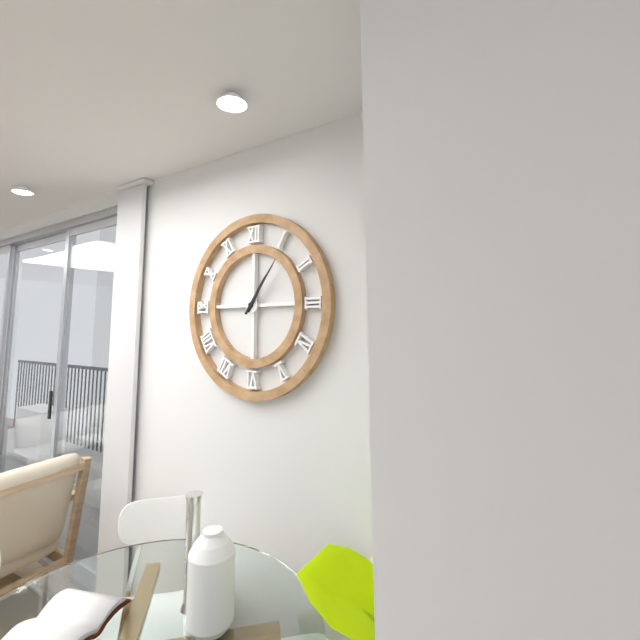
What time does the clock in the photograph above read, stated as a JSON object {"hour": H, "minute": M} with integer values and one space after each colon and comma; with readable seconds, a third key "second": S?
{"hour": 1, "minute": 6}
